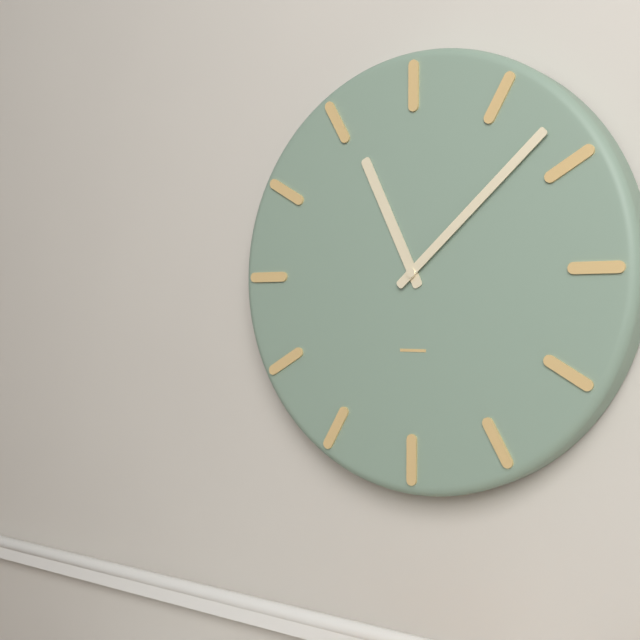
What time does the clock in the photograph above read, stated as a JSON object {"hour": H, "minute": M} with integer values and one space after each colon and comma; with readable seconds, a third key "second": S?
{"hour": 11, "minute": 8}
